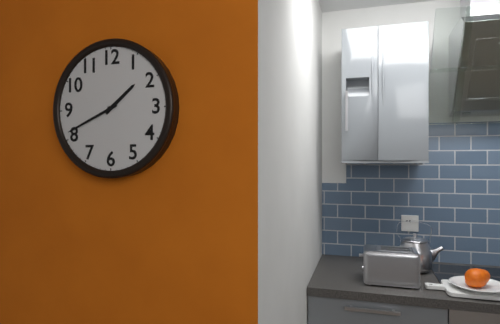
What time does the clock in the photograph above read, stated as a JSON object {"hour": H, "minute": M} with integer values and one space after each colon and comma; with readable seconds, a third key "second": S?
{"hour": 1, "minute": 41}
